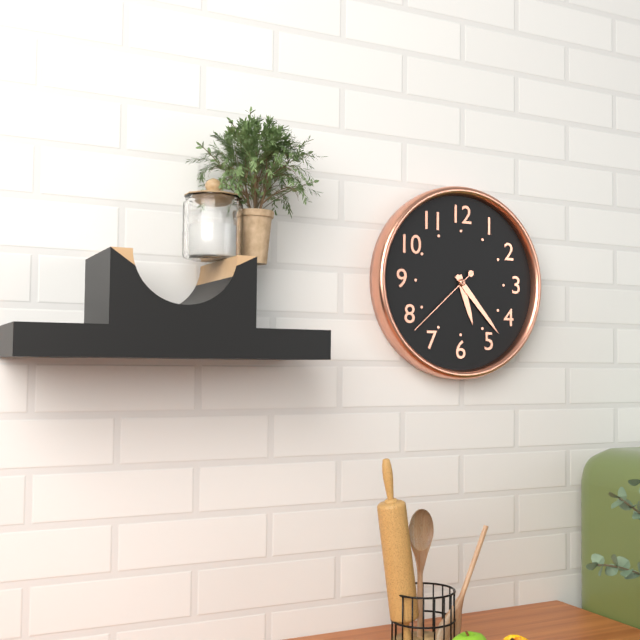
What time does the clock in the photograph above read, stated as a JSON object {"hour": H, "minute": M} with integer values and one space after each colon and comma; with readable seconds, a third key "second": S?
{"hour": 5, "minute": 23, "second": 38}
